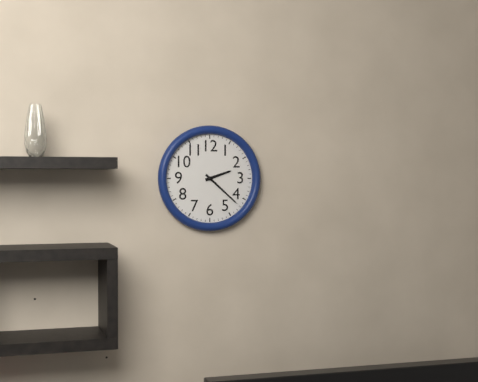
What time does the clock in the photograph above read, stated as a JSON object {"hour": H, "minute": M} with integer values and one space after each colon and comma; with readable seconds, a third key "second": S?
{"hour": 2, "minute": 22}
